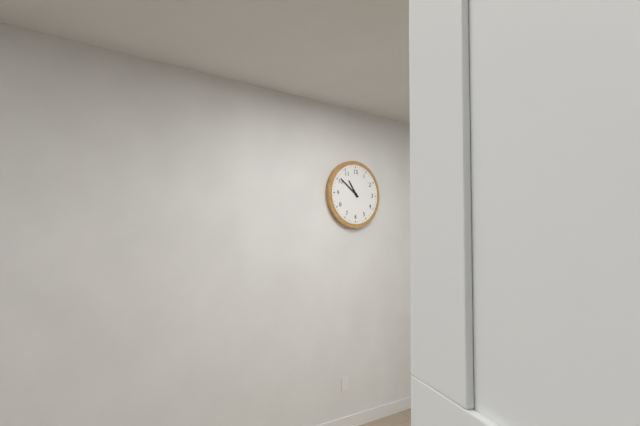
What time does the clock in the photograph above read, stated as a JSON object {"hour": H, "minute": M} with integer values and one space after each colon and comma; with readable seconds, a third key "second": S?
{"hour": 10, "minute": 51}
